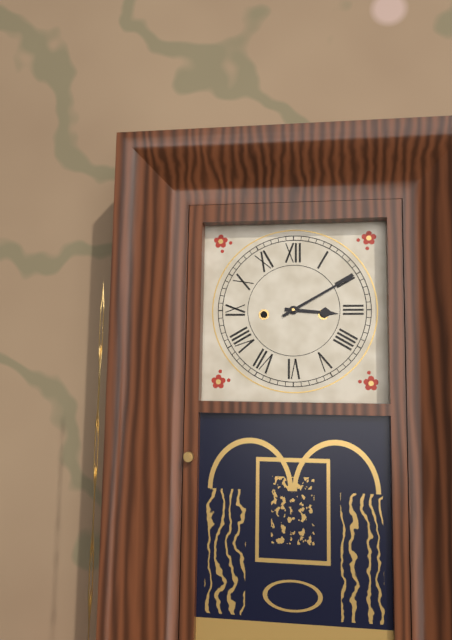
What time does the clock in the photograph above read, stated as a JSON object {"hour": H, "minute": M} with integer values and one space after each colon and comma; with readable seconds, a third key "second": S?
{"hour": 3, "minute": 10}
